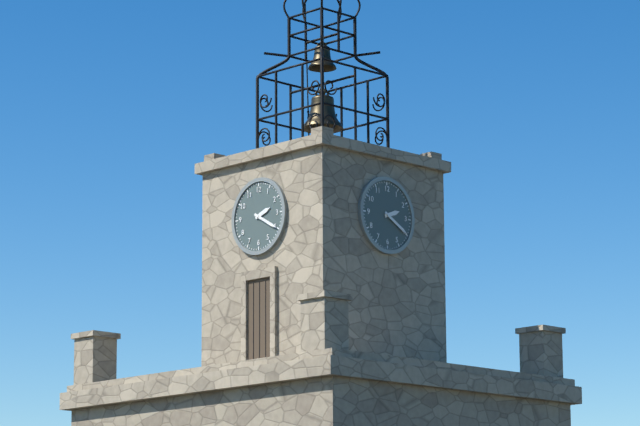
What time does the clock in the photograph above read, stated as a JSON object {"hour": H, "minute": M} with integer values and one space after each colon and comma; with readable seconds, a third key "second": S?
{"hour": 2, "minute": 20}
